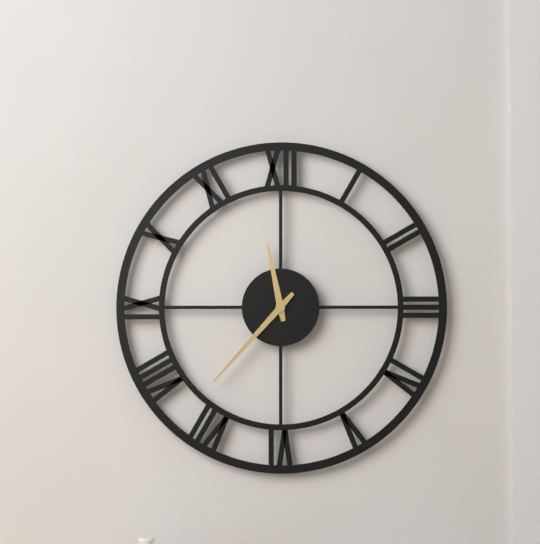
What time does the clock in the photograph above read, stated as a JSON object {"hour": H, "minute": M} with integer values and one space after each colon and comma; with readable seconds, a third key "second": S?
{"hour": 11, "minute": 37}
